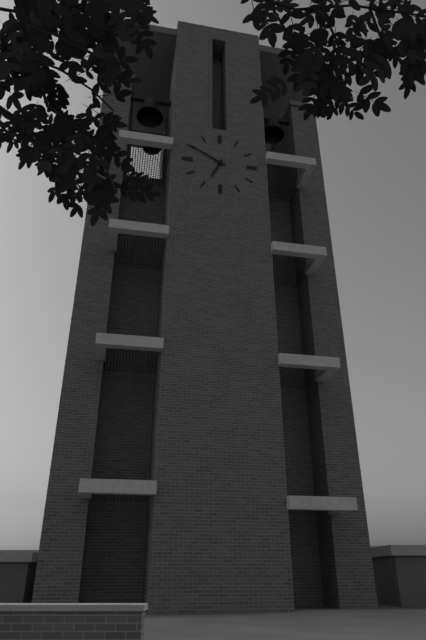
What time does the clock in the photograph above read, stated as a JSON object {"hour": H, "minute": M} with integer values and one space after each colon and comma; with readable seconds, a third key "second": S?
{"hour": 6, "minute": 50}
